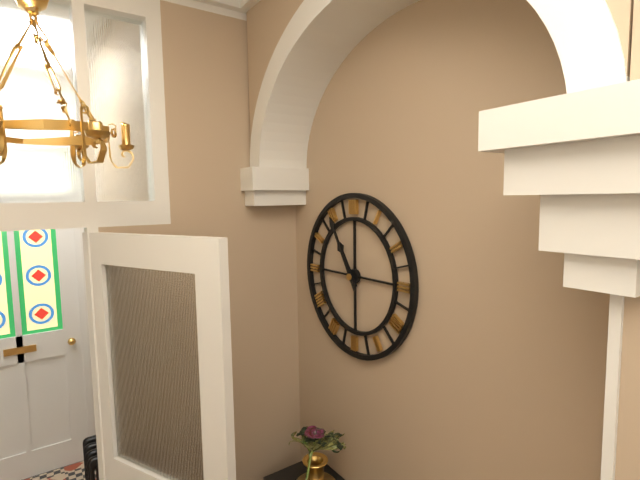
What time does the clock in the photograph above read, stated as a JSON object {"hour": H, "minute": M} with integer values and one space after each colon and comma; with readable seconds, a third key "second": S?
{"hour": 10, "minute": 55}
